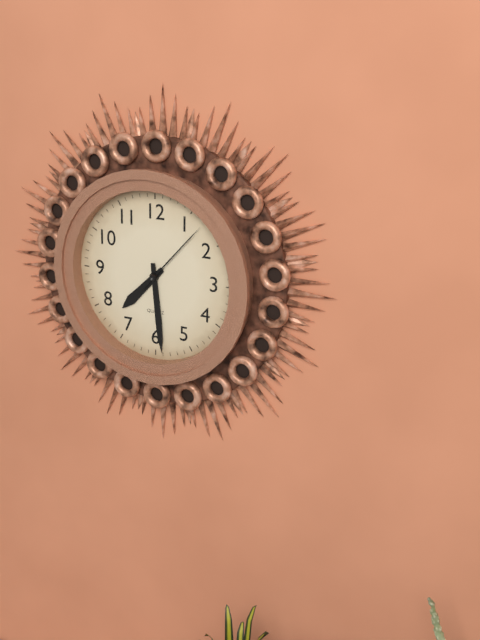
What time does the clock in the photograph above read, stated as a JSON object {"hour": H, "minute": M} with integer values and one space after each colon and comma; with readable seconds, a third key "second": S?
{"hour": 7, "minute": 29, "second": 7}
